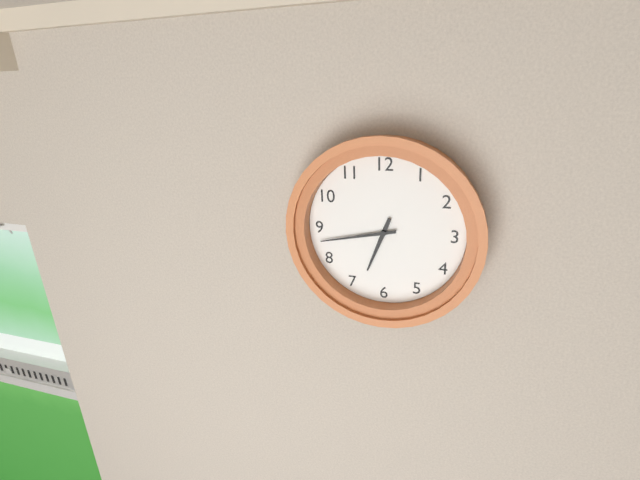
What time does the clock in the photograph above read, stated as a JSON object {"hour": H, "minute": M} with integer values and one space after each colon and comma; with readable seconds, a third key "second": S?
{"hour": 6, "minute": 43}
